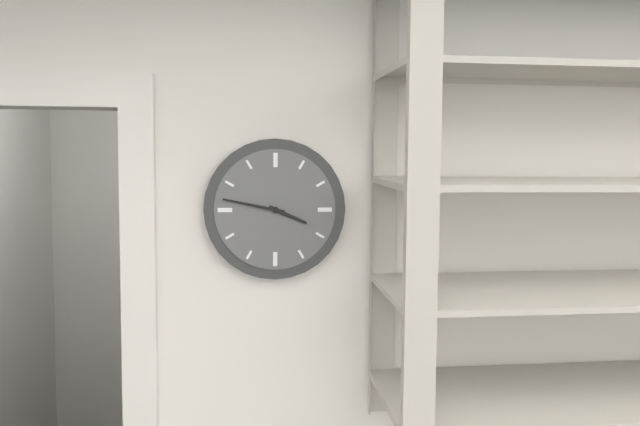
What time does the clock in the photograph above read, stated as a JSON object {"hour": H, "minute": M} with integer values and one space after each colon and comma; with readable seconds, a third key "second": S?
{"hour": 3, "minute": 47}
